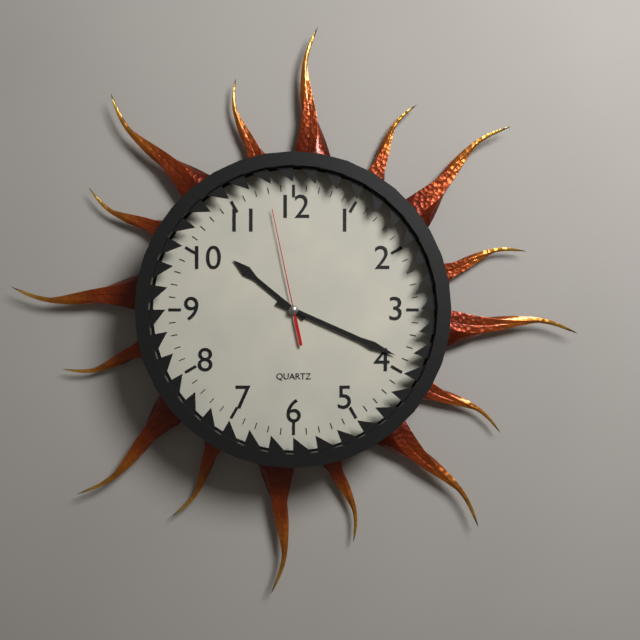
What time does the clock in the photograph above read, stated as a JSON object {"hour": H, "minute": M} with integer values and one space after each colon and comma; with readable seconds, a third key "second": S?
{"hour": 10, "minute": 19, "second": 58}
